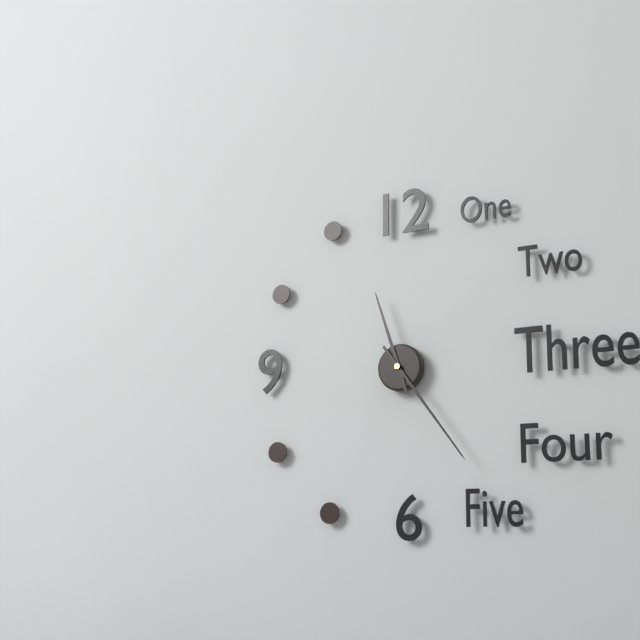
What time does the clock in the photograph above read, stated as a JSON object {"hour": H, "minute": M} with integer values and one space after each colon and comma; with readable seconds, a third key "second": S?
{"hour": 11, "minute": 24}
